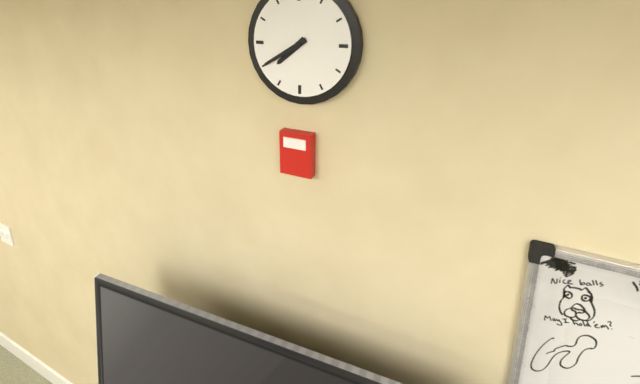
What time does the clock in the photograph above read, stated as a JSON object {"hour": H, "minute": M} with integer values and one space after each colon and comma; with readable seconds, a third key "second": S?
{"hour": 7, "minute": 40}
